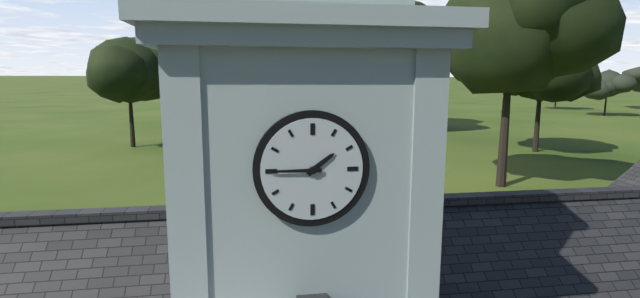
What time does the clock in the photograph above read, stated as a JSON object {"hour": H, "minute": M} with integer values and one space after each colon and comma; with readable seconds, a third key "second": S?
{"hour": 1, "minute": 45}
